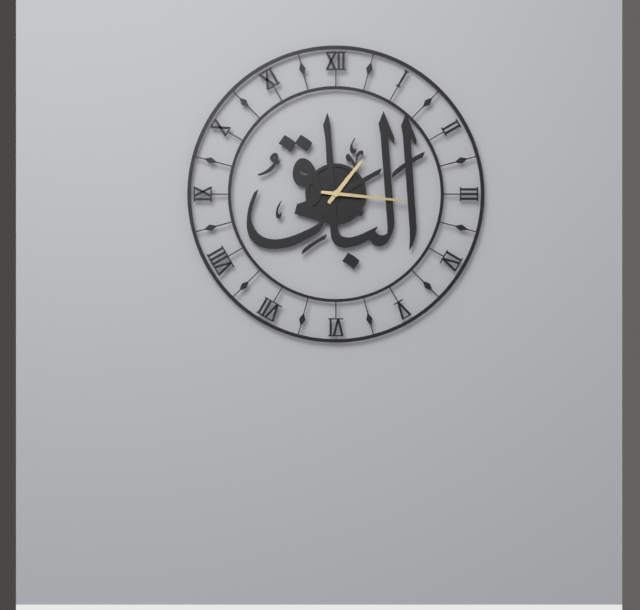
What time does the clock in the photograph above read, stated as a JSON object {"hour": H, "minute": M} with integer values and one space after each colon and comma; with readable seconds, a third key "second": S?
{"hour": 1, "minute": 16}
